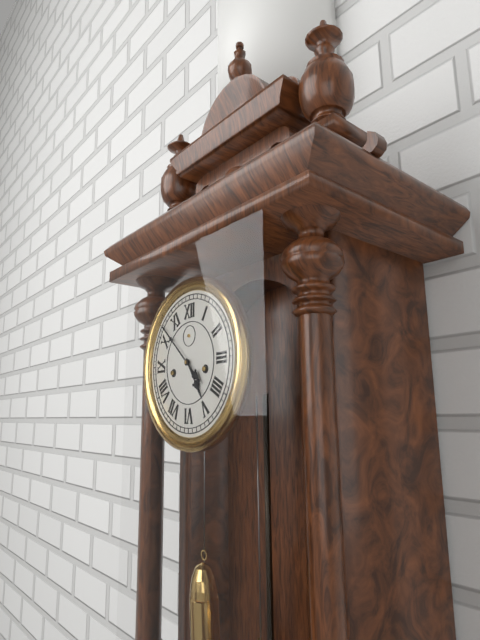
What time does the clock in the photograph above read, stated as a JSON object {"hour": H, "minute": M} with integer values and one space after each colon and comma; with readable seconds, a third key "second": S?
{"hour": 4, "minute": 52}
